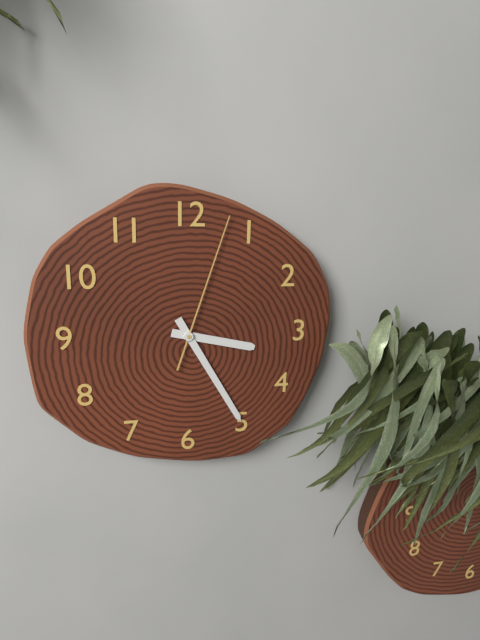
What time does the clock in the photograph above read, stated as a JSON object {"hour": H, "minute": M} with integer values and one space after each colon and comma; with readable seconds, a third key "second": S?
{"hour": 3, "minute": 25, "second": 3}
